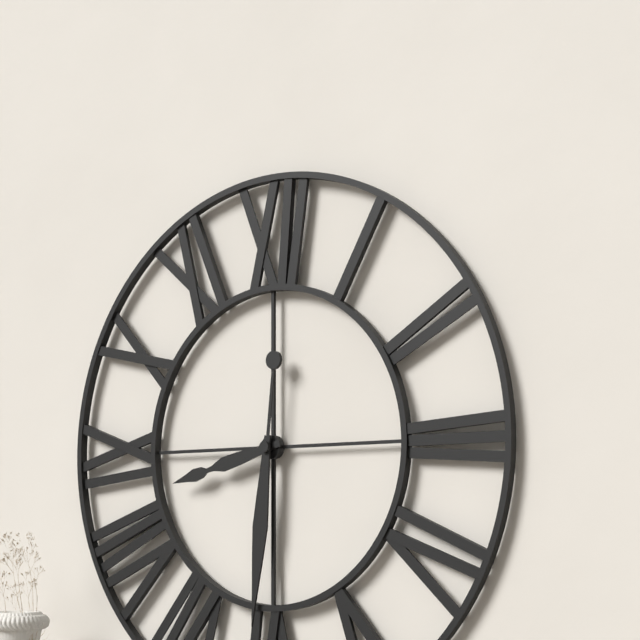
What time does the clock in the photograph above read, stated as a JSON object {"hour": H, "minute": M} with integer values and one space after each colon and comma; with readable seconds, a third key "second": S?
{"hour": 8, "minute": 31}
